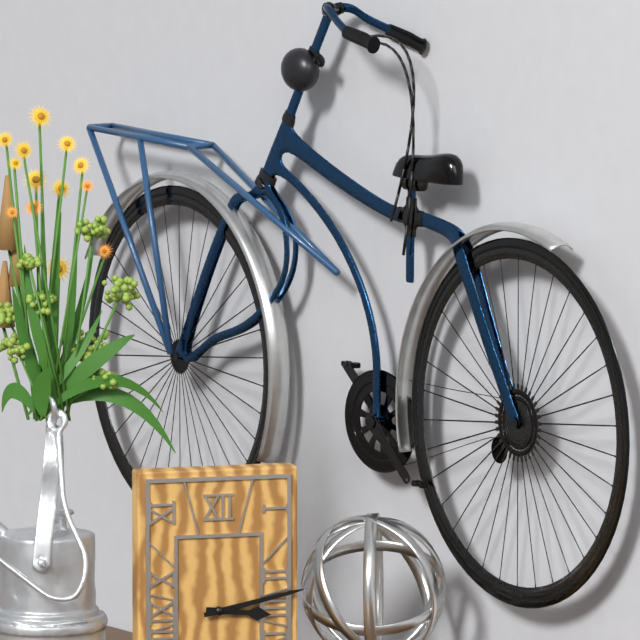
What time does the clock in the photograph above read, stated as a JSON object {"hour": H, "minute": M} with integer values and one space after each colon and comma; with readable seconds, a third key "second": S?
{"hour": 3, "minute": 13}
